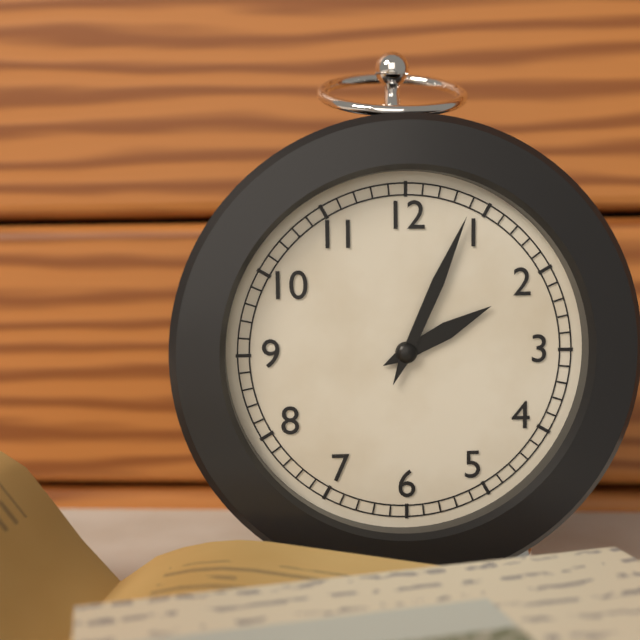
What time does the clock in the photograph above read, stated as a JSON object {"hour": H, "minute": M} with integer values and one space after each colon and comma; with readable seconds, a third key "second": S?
{"hour": 2, "minute": 4}
